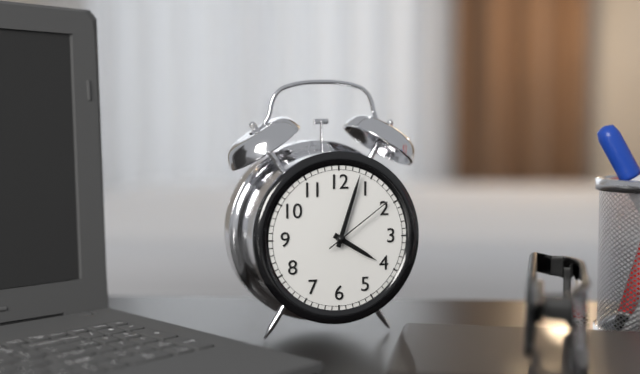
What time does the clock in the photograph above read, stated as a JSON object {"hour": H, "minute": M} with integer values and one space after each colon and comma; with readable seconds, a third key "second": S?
{"hour": 4, "minute": 3, "second": 9}
